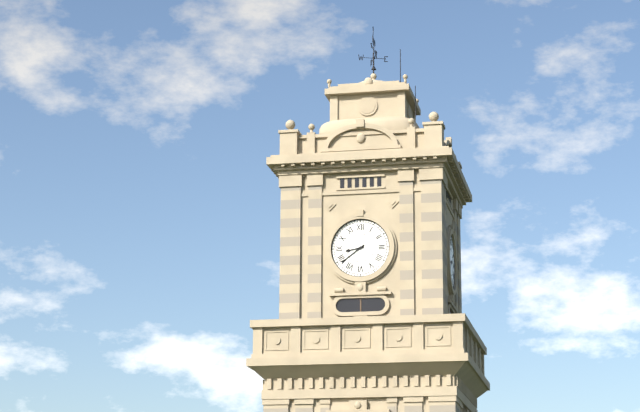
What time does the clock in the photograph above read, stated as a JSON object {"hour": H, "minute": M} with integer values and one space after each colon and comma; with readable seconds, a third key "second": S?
{"hour": 8, "minute": 39}
